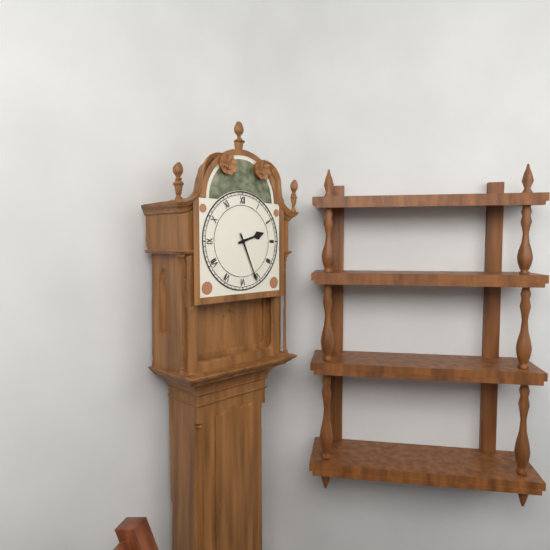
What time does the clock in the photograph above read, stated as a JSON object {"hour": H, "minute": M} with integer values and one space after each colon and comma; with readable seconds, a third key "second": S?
{"hour": 2, "minute": 26}
